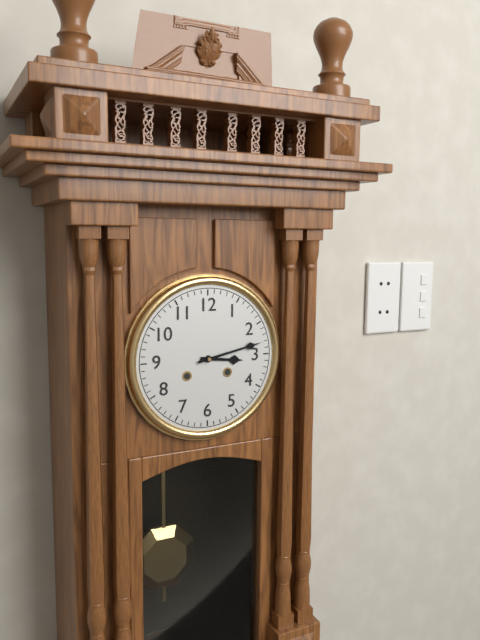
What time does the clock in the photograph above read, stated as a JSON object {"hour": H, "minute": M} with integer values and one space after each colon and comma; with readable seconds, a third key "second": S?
{"hour": 3, "minute": 13}
